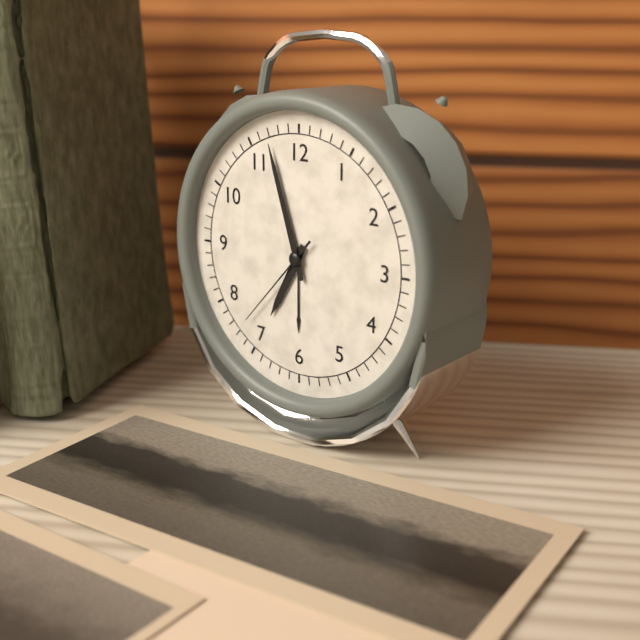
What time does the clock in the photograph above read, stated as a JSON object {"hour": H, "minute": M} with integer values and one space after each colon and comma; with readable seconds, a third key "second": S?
{"hour": 6, "minute": 57, "second": 37}
